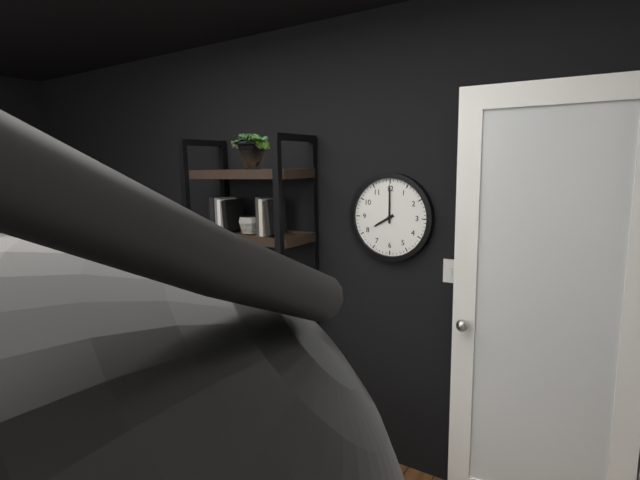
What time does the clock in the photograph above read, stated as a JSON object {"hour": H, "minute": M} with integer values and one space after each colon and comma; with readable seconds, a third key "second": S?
{"hour": 8, "minute": 0}
